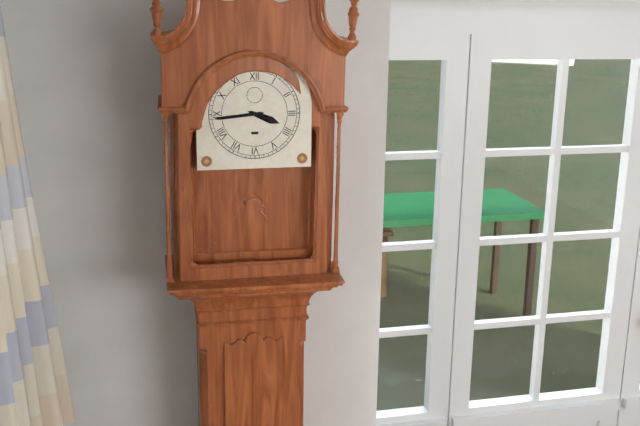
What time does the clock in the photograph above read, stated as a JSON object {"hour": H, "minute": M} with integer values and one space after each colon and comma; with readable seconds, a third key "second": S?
{"hour": 3, "minute": 44}
